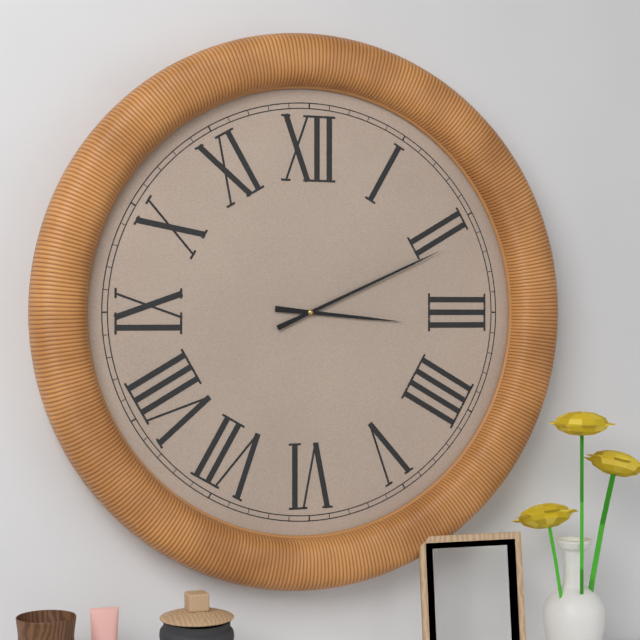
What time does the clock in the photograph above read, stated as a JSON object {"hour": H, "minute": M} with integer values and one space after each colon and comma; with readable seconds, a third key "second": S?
{"hour": 3, "minute": 11}
